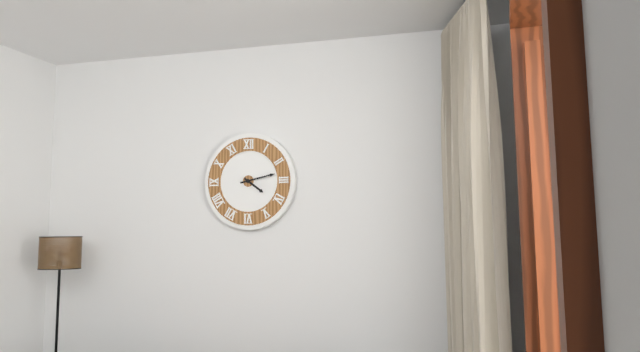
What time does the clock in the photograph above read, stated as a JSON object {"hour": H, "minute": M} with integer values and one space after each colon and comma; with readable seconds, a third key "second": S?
{"hour": 4, "minute": 13}
